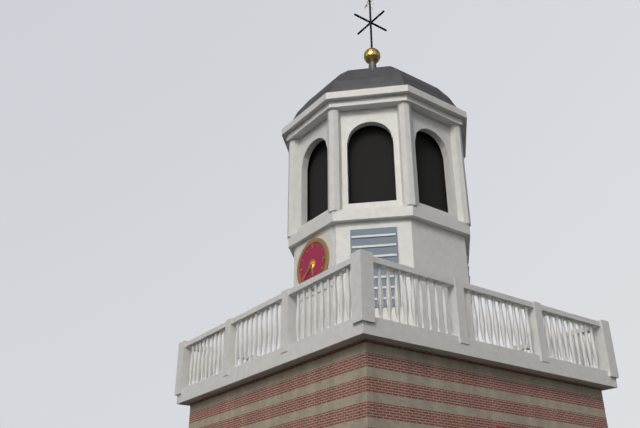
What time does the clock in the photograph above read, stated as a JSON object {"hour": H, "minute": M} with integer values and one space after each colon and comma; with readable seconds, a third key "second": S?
{"hour": 5, "minute": 38}
